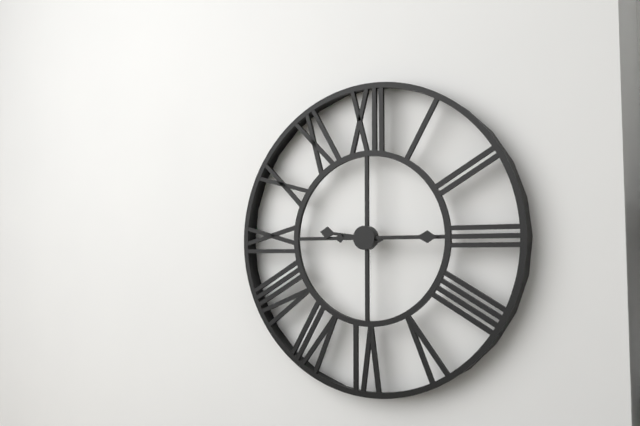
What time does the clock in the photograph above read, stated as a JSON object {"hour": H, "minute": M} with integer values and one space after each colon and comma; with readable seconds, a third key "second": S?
{"hour": 9, "minute": 15}
